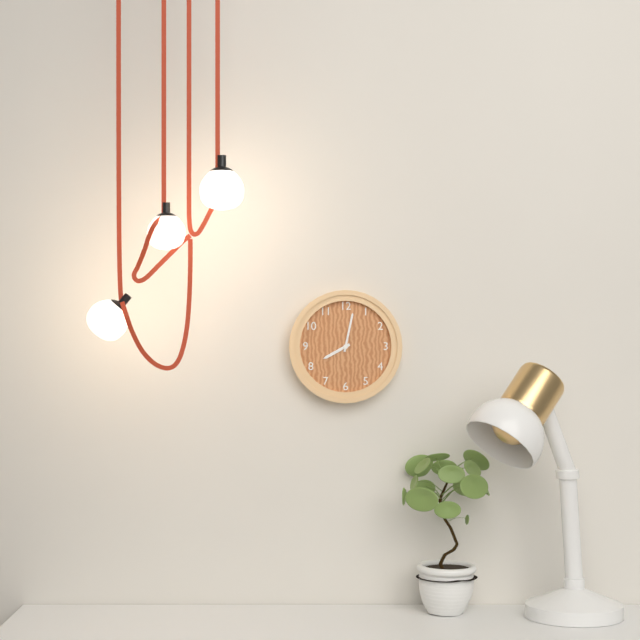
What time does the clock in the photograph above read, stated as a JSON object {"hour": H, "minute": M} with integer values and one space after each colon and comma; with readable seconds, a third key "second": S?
{"hour": 8, "minute": 2}
